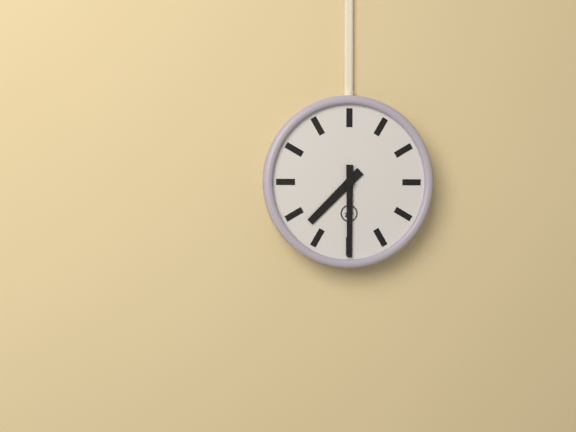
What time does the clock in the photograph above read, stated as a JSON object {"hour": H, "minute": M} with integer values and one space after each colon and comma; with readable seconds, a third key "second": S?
{"hour": 7, "minute": 30}
